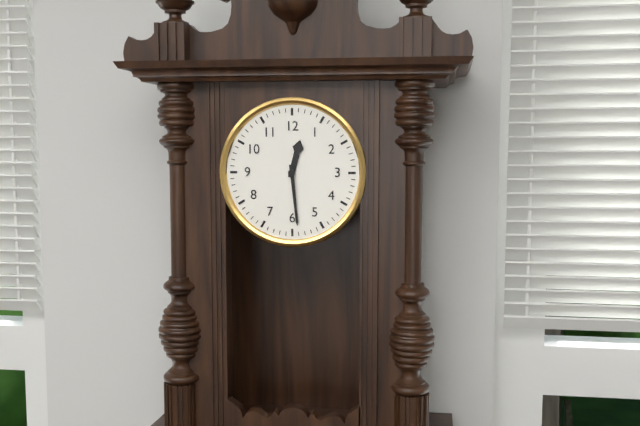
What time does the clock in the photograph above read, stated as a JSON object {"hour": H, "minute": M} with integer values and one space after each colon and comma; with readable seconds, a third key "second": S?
{"hour": 12, "minute": 29}
